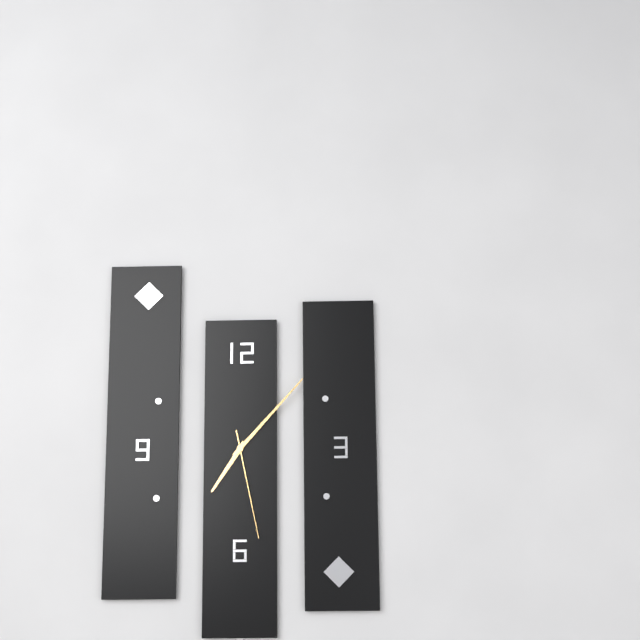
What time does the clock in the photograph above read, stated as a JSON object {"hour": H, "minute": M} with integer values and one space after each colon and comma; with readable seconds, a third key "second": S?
{"hour": 7, "minute": 7, "second": 28}
